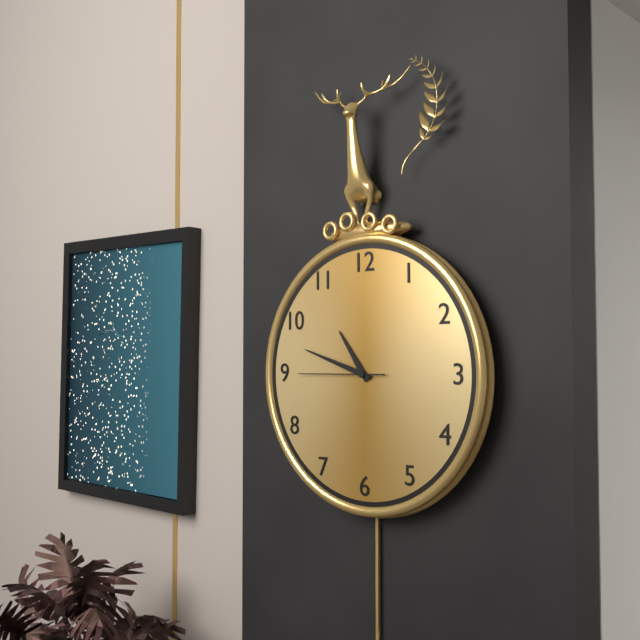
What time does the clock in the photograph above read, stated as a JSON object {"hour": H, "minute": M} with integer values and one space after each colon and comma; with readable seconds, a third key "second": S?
{"hour": 10, "minute": 48, "second": 45}
